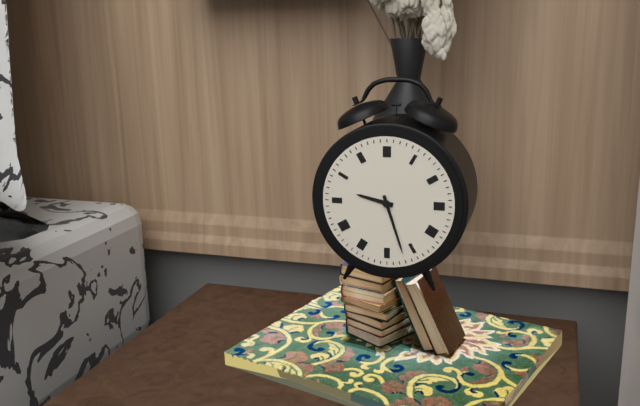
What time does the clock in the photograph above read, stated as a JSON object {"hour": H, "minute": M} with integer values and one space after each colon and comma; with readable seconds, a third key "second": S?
{"hour": 9, "minute": 27}
